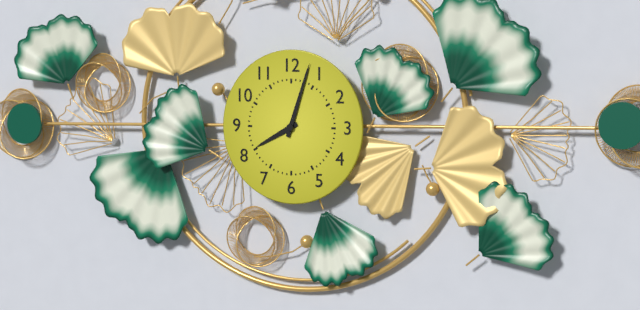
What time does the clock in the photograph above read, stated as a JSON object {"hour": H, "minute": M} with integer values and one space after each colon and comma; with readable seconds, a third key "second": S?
{"hour": 8, "minute": 3}
